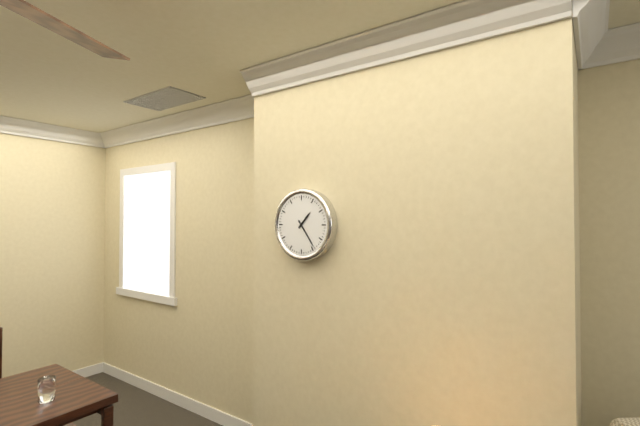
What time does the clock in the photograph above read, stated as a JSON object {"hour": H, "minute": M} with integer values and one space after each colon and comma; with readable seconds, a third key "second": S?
{"hour": 1, "minute": 24}
